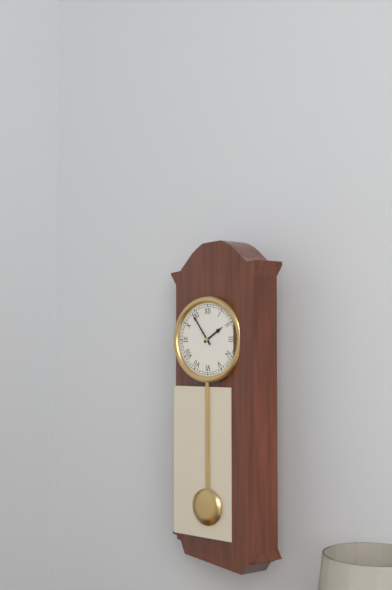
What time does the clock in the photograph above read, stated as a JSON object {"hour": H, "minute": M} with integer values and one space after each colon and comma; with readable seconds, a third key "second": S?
{"hour": 1, "minute": 54}
